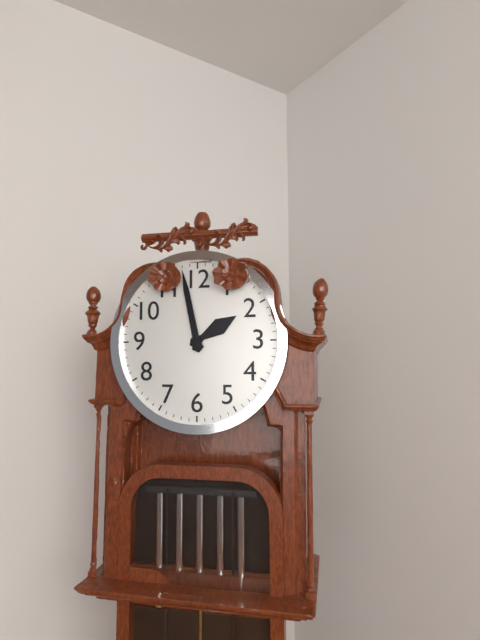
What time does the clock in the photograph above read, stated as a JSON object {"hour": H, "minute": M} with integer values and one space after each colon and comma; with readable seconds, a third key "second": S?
{"hour": 1, "minute": 58}
